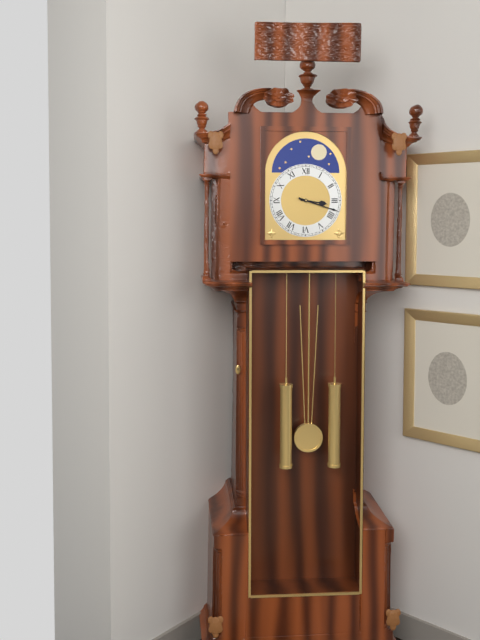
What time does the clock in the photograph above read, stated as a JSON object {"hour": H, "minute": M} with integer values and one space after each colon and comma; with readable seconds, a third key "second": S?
{"hour": 3, "minute": 18}
